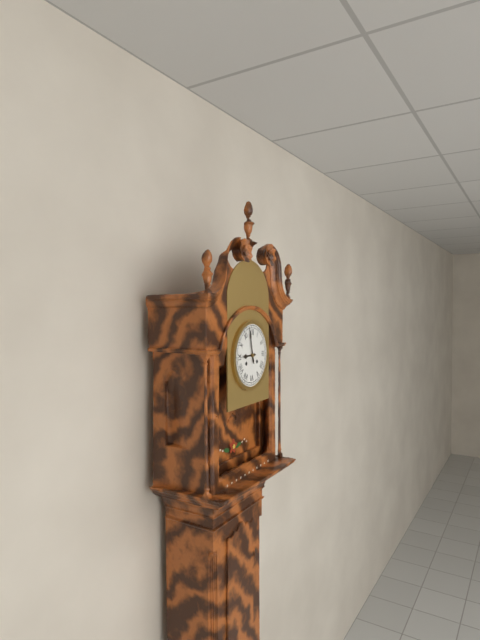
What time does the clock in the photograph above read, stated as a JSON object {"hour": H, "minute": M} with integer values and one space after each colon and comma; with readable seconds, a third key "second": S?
{"hour": 8, "minute": 58}
